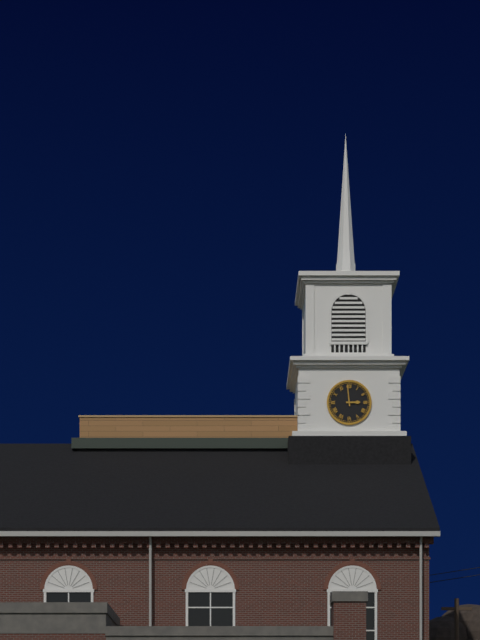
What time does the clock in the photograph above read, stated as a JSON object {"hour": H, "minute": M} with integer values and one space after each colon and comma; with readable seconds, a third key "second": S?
{"hour": 2, "minute": 59}
